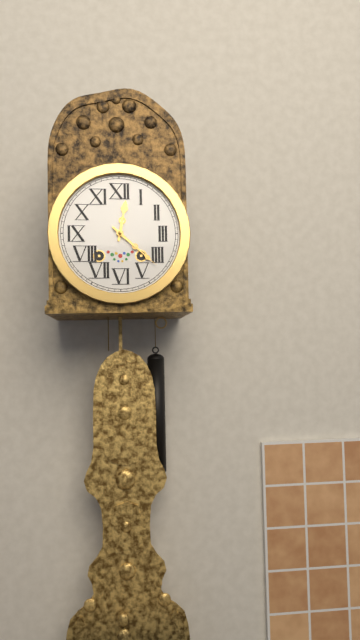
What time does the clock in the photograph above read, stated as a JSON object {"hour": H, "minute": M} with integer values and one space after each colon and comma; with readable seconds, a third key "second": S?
{"hour": 12, "minute": 22}
